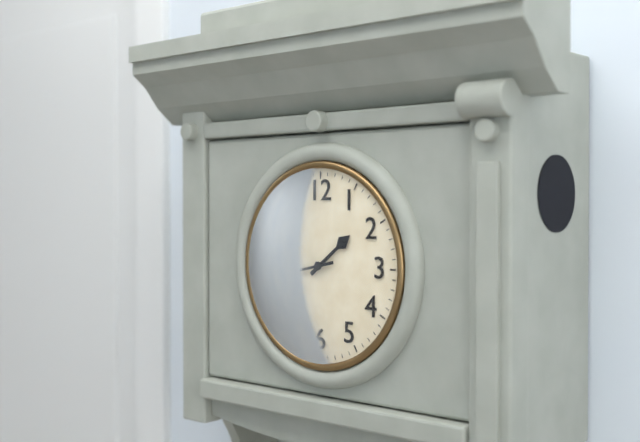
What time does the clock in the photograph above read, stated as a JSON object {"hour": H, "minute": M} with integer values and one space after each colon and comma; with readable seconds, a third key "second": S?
{"hour": 1, "minute": 43}
